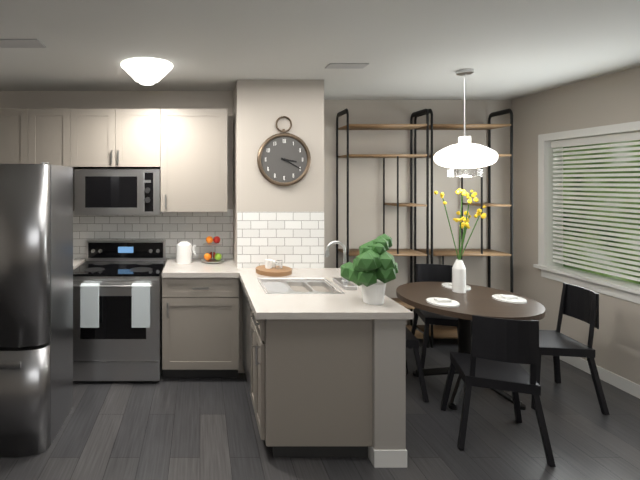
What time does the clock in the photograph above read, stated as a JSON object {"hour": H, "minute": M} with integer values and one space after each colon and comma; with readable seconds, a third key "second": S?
{"hour": 3, "minute": 20}
